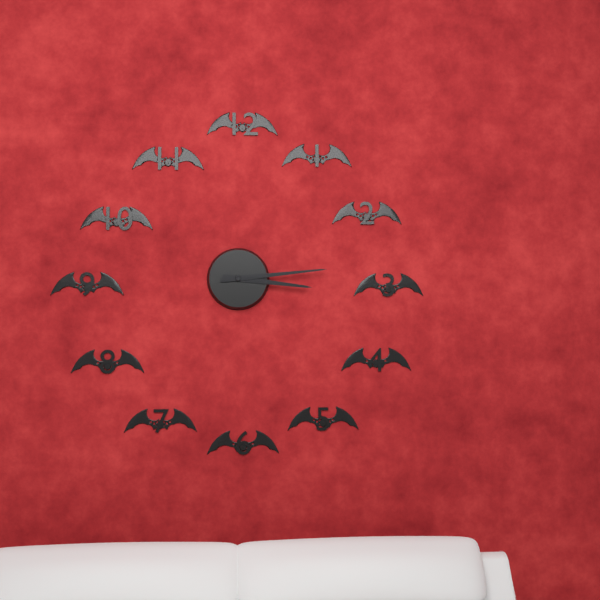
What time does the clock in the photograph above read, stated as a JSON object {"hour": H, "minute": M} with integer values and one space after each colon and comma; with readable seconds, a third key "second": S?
{"hour": 3, "minute": 14}
